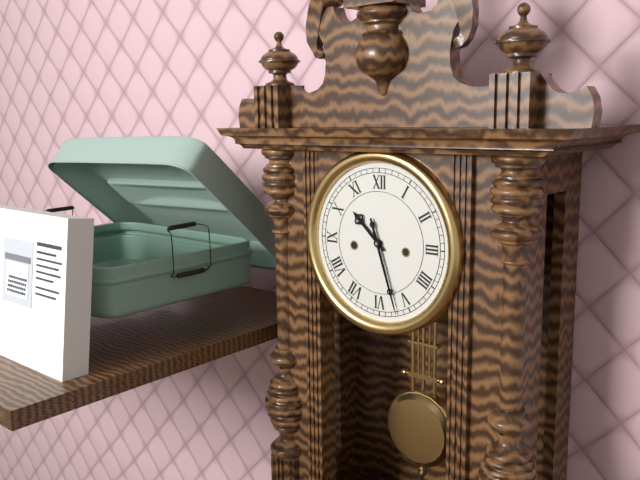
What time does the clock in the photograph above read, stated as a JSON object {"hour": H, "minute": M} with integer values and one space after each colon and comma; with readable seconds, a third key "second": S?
{"hour": 10, "minute": 27}
